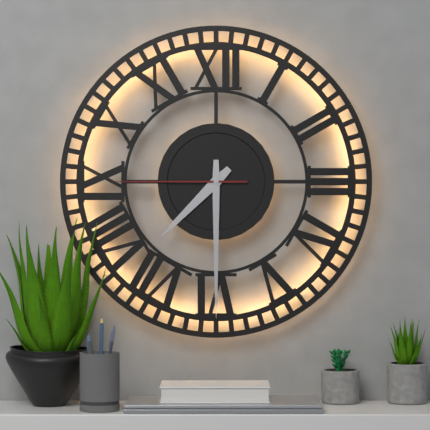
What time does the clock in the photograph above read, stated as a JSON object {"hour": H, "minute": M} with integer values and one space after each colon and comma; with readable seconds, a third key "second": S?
{"hour": 7, "minute": 30, "second": 45}
